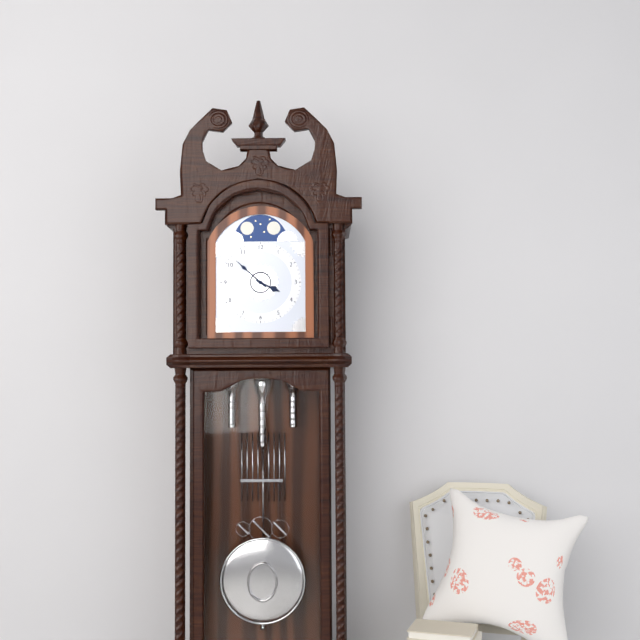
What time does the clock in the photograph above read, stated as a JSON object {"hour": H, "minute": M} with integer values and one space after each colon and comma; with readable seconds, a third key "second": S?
{"hour": 3, "minute": 52}
